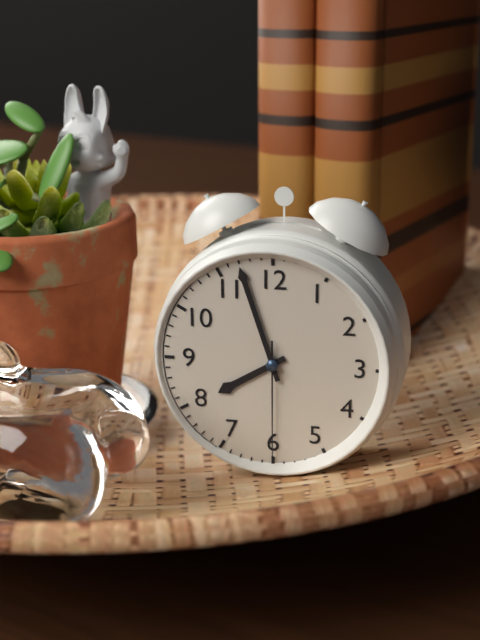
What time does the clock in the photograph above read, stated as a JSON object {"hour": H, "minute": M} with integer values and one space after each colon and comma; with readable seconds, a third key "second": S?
{"hour": 7, "minute": 57, "second": 30}
